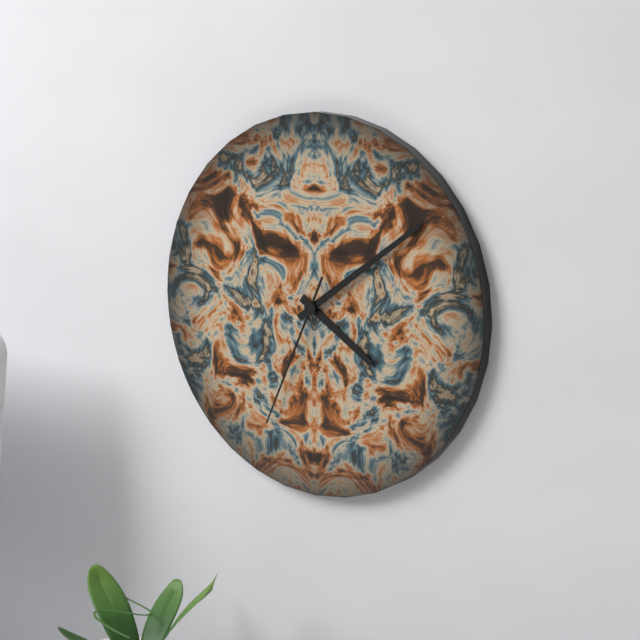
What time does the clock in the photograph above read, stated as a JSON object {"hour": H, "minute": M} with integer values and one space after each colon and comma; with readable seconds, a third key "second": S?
{"hour": 4, "minute": 9, "second": 34}
